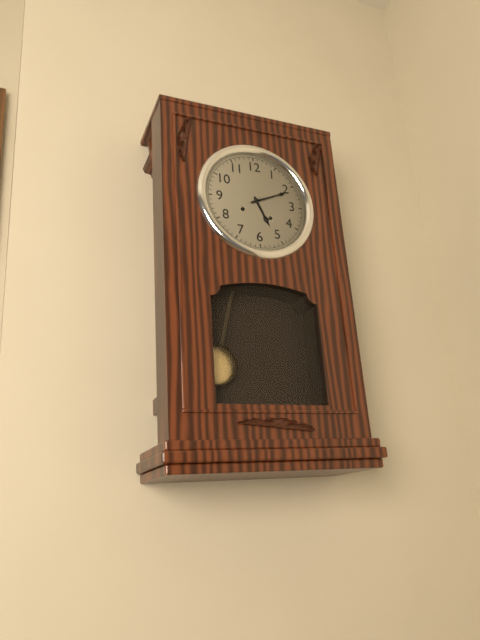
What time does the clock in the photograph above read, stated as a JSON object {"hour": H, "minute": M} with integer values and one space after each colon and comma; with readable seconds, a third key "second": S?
{"hour": 5, "minute": 11}
